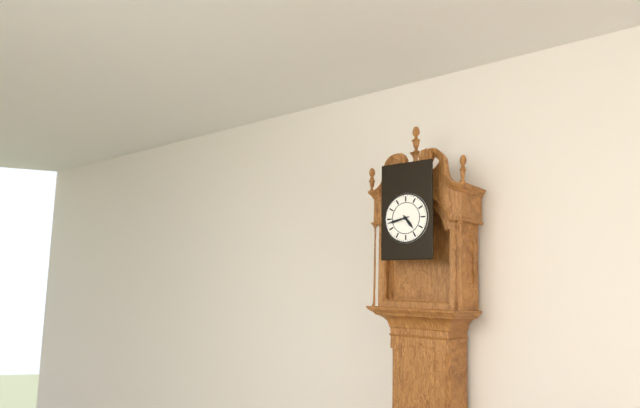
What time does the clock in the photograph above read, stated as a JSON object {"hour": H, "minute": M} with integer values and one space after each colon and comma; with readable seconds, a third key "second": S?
{"hour": 4, "minute": 43}
